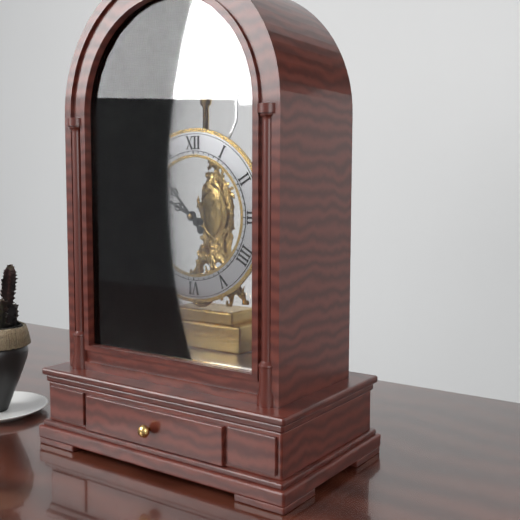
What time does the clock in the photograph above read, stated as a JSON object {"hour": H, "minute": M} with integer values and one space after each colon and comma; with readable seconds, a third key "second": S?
{"hour": 9, "minute": 53}
